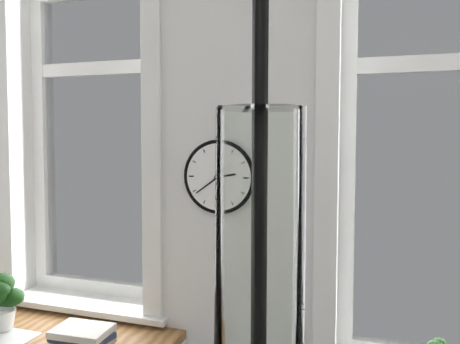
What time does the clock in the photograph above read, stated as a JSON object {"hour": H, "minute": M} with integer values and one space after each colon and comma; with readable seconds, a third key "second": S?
{"hour": 2, "minute": 39}
